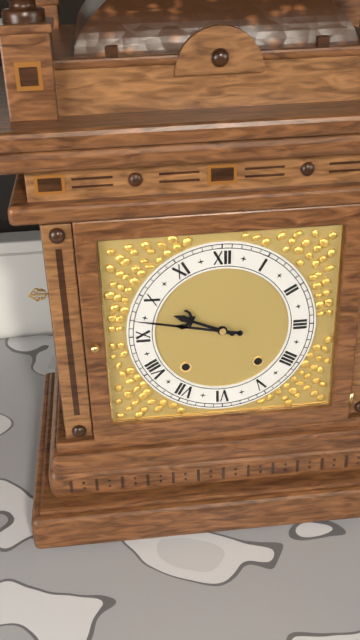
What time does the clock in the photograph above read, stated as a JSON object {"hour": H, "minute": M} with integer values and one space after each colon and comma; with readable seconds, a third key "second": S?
{"hour": 9, "minute": 47}
